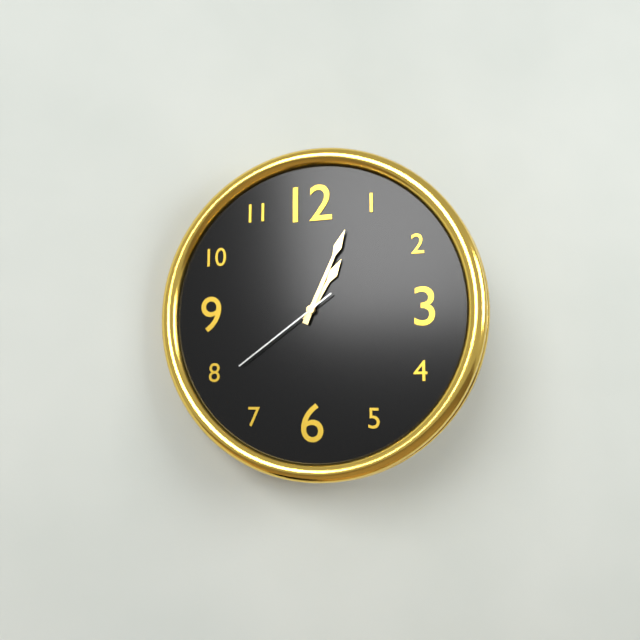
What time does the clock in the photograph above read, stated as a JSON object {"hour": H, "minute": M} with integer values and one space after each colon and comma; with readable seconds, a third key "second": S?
{"hour": 1, "minute": 4, "second": 39}
